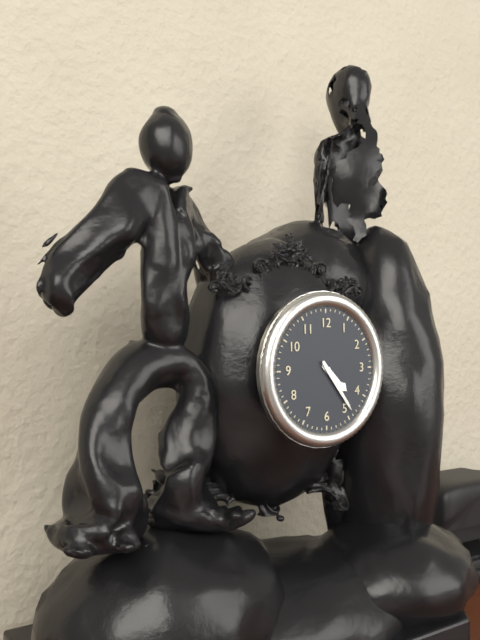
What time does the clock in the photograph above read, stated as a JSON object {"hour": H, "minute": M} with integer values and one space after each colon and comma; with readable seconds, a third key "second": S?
{"hour": 4, "minute": 24}
